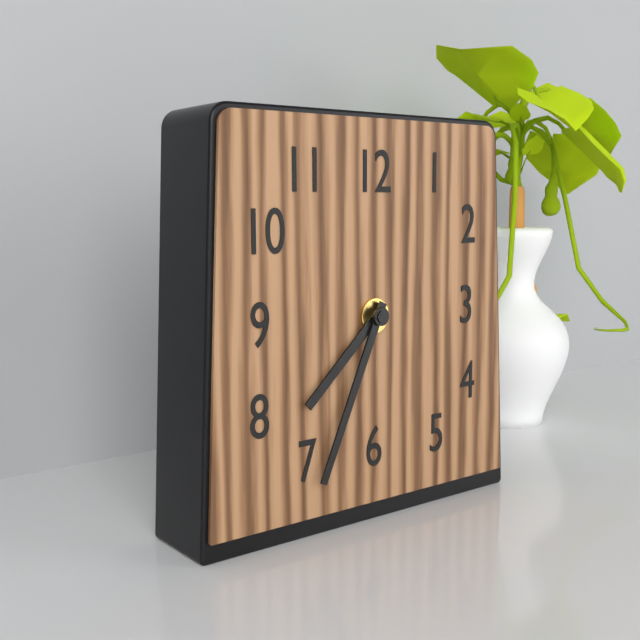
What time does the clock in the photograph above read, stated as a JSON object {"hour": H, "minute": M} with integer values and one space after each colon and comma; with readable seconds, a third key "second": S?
{"hour": 7, "minute": 34}
